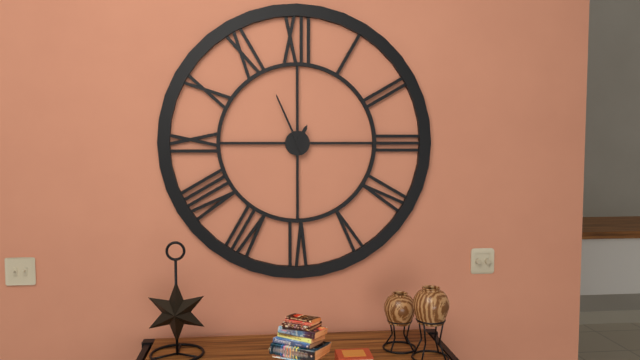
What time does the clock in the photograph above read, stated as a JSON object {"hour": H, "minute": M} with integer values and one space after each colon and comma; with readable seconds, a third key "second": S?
{"hour": 12, "minute": 56}
